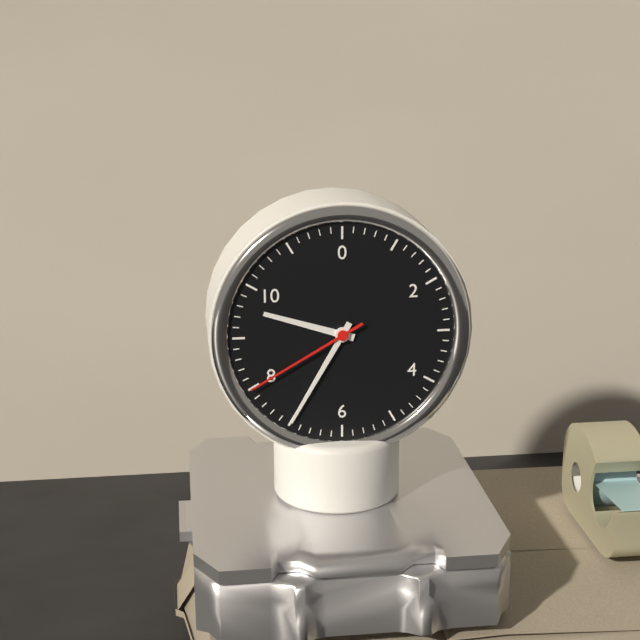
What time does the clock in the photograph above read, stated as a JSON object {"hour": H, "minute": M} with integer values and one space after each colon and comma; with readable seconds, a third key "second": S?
{"hour": 9, "minute": 35, "second": 40}
